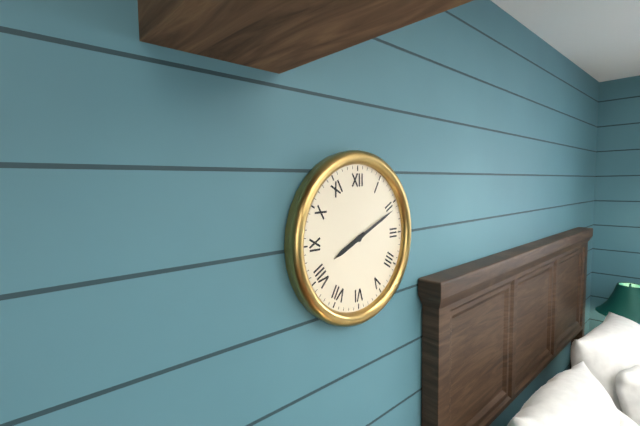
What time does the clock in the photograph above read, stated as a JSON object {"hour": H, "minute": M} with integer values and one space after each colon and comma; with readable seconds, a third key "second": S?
{"hour": 8, "minute": 11}
